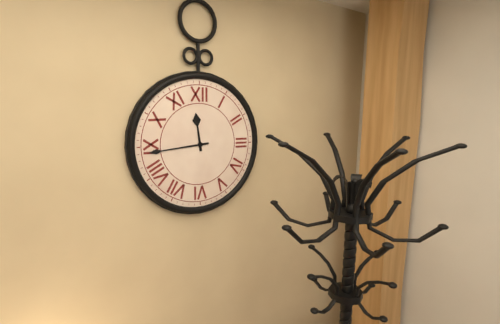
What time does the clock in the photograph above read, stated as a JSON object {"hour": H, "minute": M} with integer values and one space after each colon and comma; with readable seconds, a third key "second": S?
{"hour": 11, "minute": 44}
